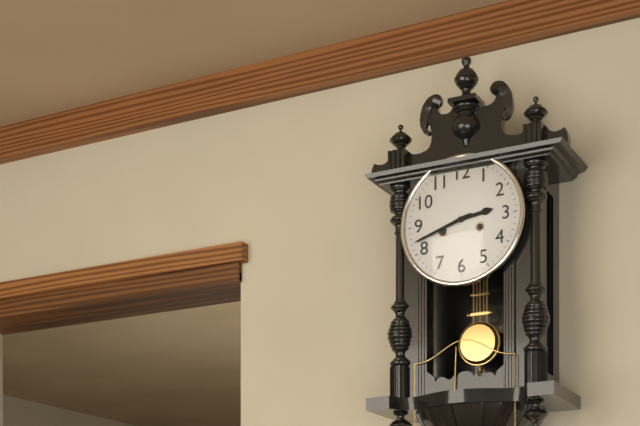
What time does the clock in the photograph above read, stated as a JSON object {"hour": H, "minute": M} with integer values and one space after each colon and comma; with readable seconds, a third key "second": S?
{"hour": 2, "minute": 42}
